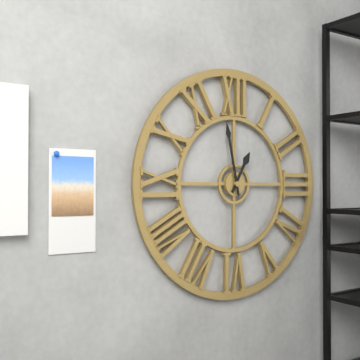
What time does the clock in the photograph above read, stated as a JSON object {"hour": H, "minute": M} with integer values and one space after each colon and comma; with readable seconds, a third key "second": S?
{"hour": 12, "minute": 58}
